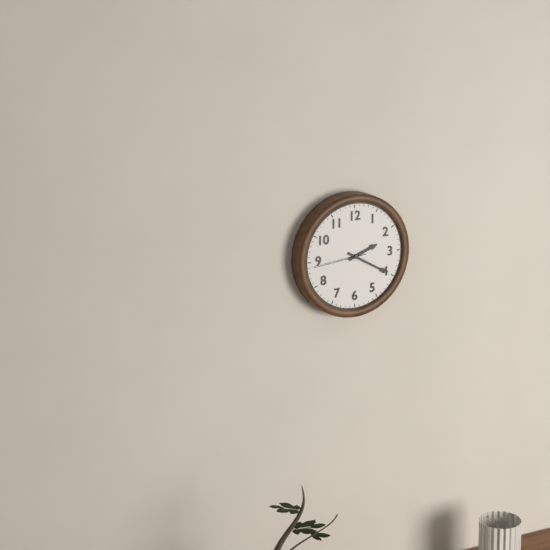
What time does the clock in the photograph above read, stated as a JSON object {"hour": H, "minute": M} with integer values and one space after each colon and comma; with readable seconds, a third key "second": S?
{"hour": 2, "minute": 20, "second": 44}
